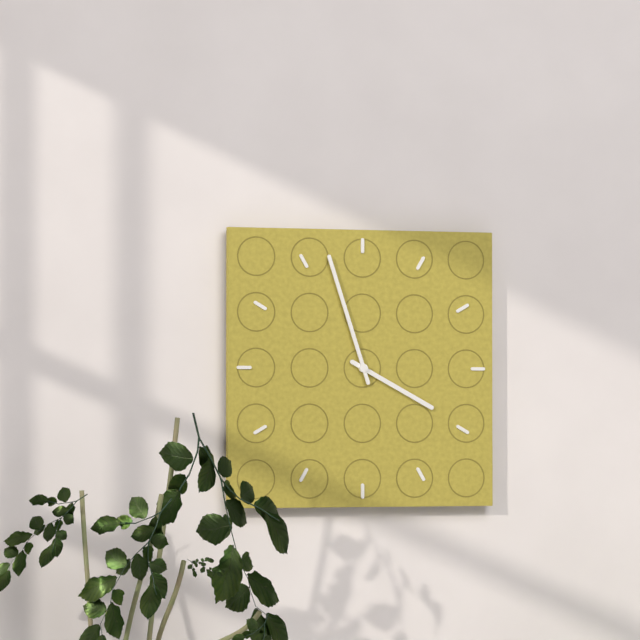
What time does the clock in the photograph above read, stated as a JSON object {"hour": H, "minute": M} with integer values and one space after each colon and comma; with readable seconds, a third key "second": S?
{"hour": 3, "minute": 57}
